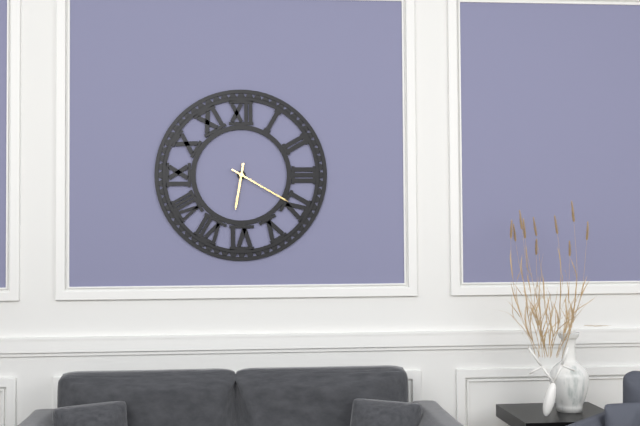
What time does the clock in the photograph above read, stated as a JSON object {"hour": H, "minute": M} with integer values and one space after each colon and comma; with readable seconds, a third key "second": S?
{"hour": 6, "minute": 20}
